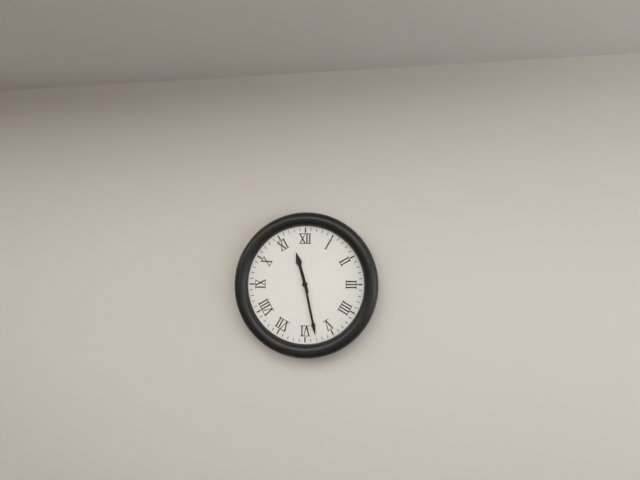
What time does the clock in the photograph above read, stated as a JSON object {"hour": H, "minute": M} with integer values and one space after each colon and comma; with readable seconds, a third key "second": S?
{"hour": 11, "minute": 28}
